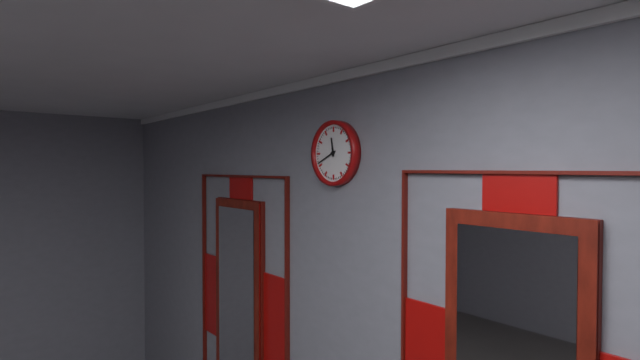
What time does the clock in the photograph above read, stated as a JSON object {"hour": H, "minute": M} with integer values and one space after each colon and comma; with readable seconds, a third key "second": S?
{"hour": 11, "minute": 41}
